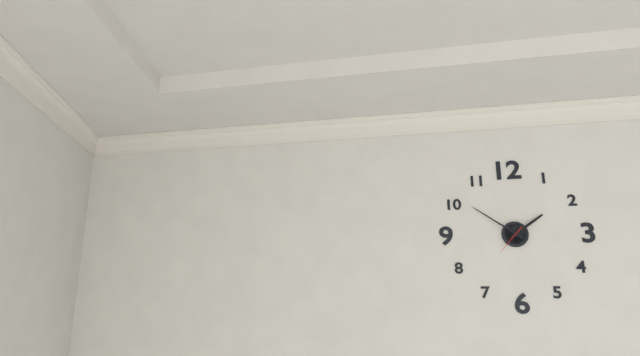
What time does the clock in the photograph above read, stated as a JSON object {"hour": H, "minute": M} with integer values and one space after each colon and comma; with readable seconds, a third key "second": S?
{"hour": 1, "minute": 51}
